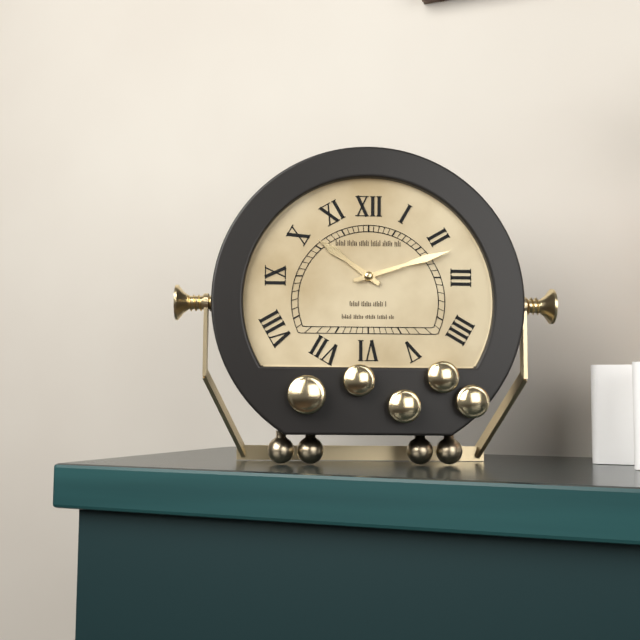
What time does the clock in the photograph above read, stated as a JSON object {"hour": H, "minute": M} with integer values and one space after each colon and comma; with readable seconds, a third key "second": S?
{"hour": 10, "minute": 12}
